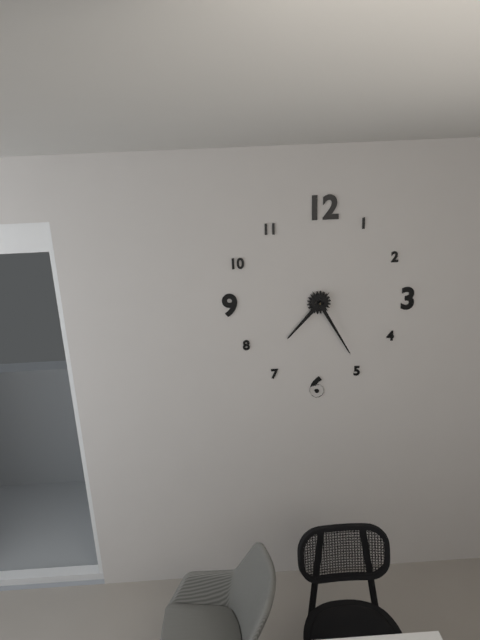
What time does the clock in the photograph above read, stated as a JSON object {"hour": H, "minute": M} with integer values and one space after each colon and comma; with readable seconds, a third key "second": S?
{"hour": 7, "minute": 25}
